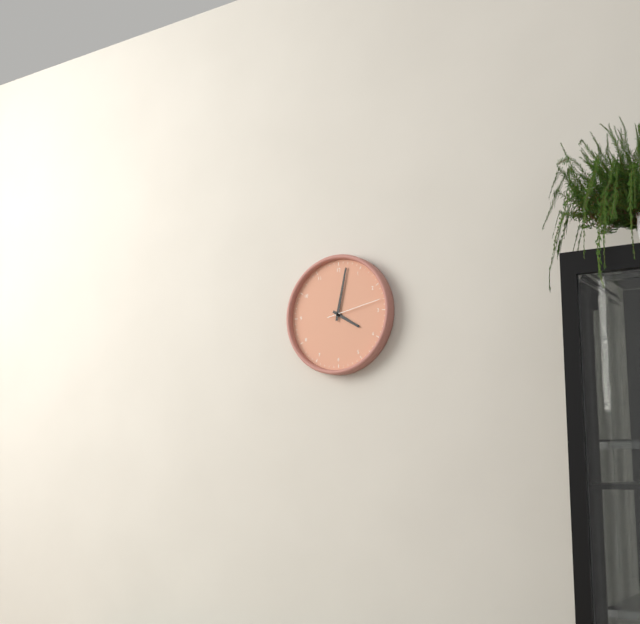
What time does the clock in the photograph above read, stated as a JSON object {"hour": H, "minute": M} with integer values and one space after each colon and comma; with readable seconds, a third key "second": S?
{"hour": 4, "minute": 2, "second": 13}
